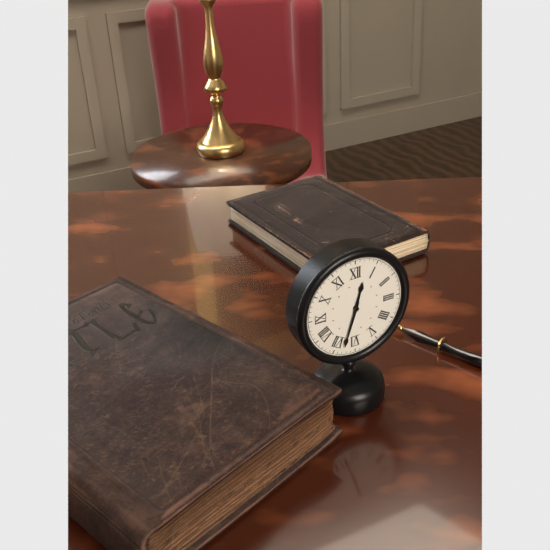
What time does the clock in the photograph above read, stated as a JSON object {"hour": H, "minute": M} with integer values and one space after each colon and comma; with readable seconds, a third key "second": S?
{"hour": 12, "minute": 33}
